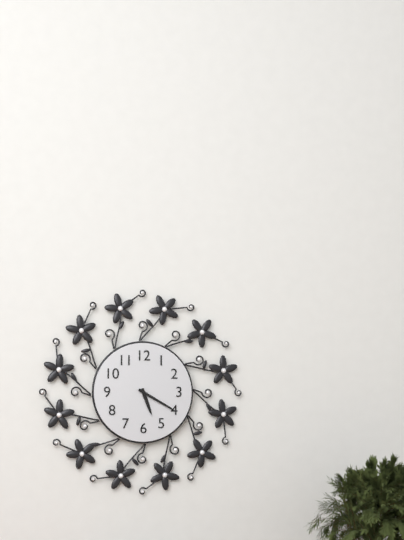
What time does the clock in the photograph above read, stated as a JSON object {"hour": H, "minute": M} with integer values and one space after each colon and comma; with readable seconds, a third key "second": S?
{"hour": 5, "minute": 20}
